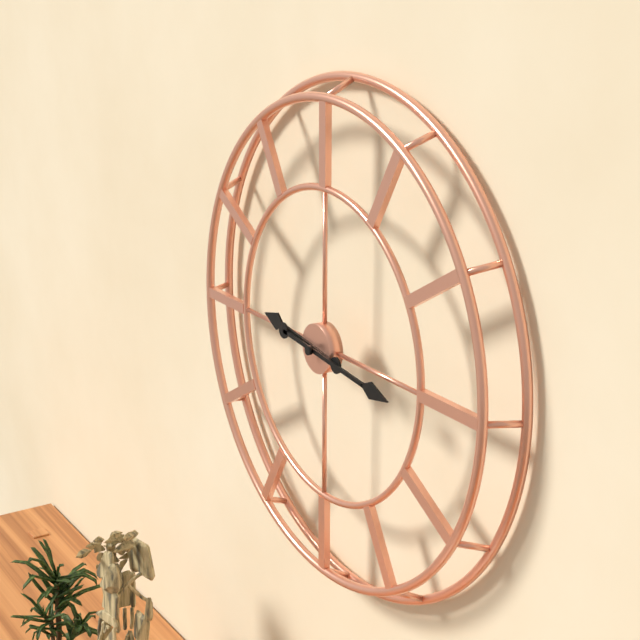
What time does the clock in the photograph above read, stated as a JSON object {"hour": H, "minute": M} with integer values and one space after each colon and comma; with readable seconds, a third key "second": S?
{"hour": 9, "minute": 16}
